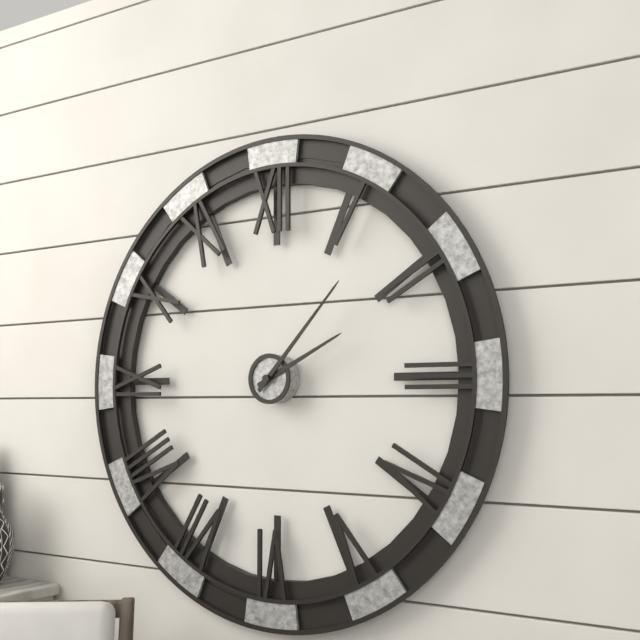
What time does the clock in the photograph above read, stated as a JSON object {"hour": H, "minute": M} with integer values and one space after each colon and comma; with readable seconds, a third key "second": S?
{"hour": 2, "minute": 7}
